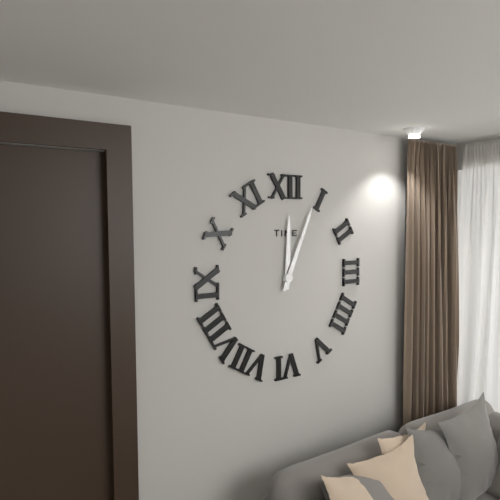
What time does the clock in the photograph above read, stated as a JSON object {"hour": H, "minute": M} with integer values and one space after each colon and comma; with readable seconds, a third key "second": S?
{"hour": 12, "minute": 4}
